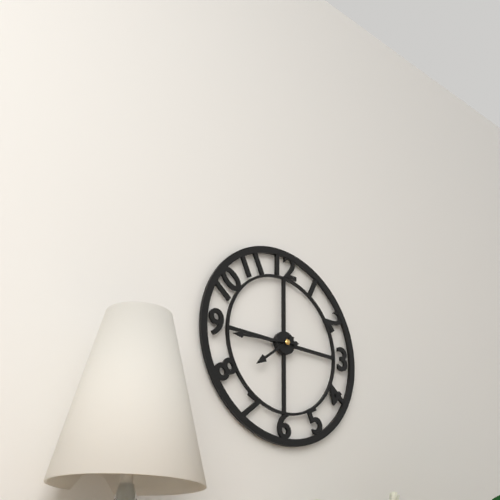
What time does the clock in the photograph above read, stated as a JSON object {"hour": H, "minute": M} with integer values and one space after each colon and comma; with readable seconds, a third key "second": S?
{"hour": 7, "minute": 44}
